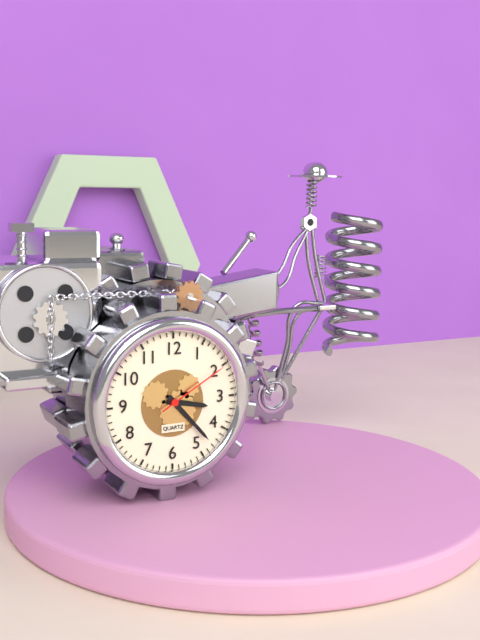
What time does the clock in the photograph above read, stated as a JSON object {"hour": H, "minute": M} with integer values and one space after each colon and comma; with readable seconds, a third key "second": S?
{"hour": 3, "minute": 23, "second": 10}
